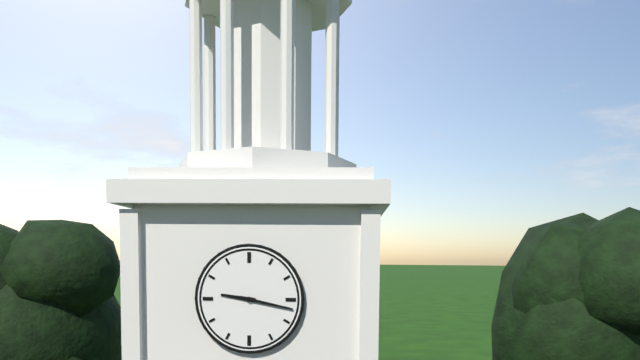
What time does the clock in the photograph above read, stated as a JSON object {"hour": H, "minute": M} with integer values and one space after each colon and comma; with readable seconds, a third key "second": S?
{"hour": 9, "minute": 17}
